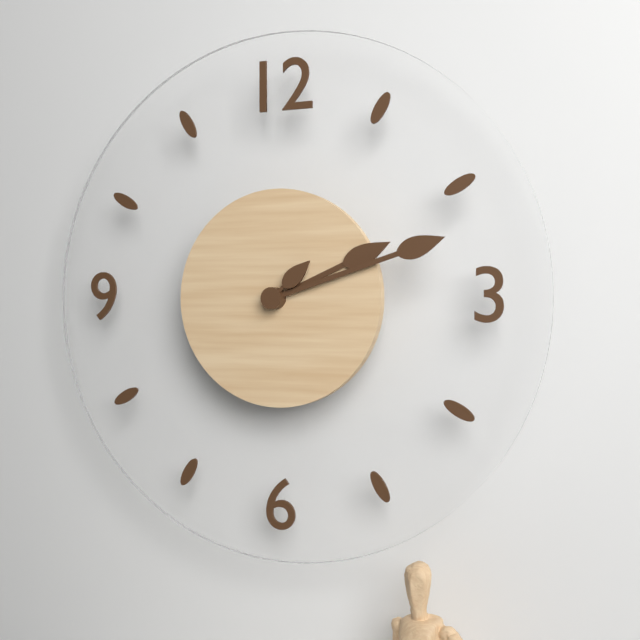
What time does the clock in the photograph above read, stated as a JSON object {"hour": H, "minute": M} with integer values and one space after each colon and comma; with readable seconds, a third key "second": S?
{"hour": 2, "minute": 12, "second": 8}
